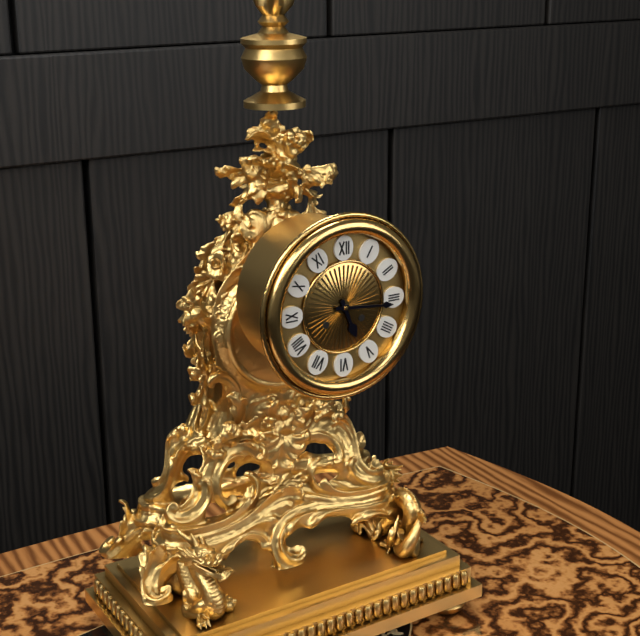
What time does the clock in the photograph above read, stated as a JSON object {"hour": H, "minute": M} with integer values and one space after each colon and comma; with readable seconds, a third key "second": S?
{"hour": 5, "minute": 16}
